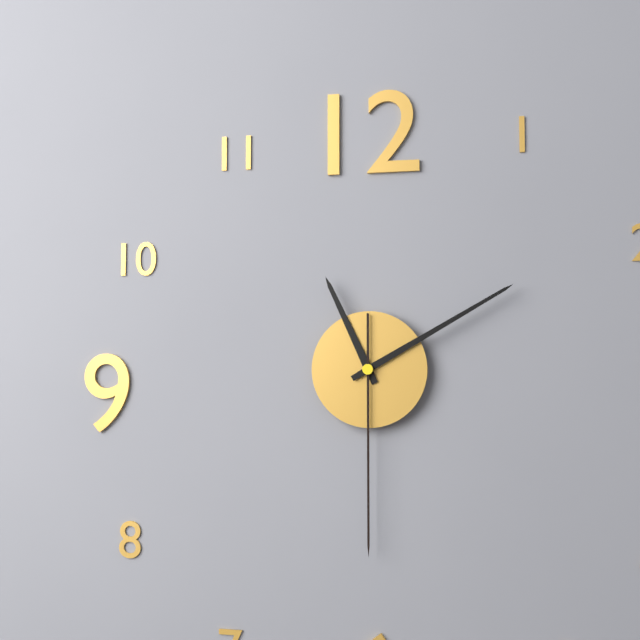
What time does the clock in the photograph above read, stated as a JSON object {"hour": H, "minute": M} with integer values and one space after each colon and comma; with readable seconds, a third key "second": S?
{"hour": 11, "minute": 10, "second": 30}
